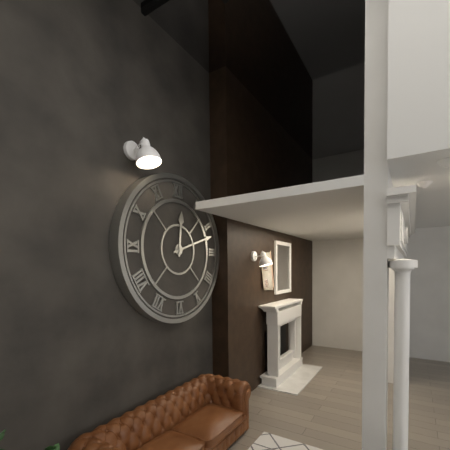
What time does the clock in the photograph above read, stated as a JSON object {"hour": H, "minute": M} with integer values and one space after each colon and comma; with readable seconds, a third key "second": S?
{"hour": 12, "minute": 12}
